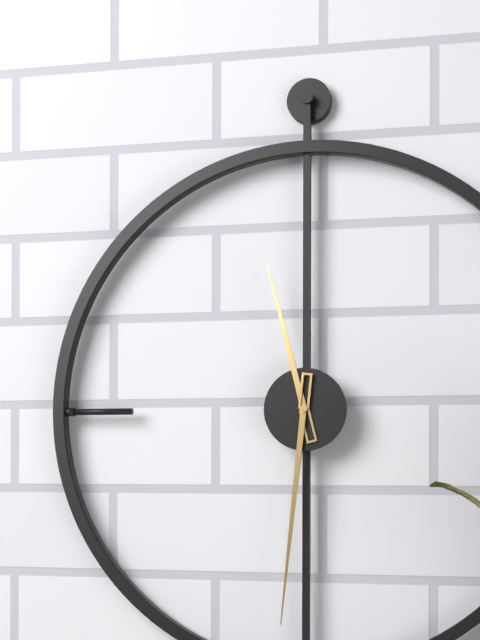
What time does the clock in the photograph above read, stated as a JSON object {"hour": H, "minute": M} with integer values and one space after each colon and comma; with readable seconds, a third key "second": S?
{"hour": 11, "minute": 31}
